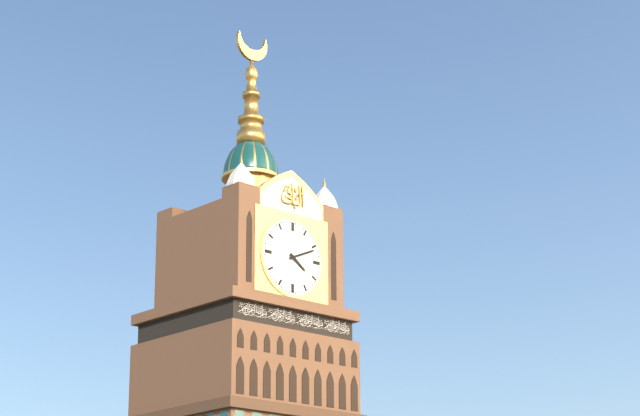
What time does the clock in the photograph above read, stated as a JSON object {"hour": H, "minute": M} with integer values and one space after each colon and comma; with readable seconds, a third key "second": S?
{"hour": 4, "minute": 11}
